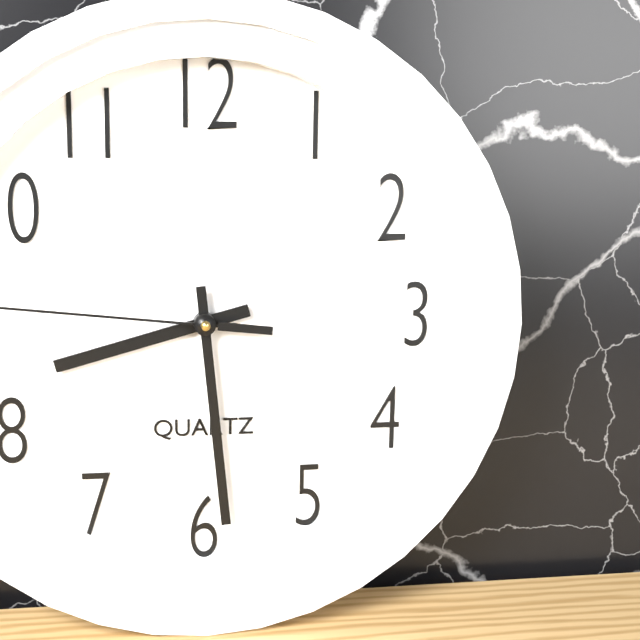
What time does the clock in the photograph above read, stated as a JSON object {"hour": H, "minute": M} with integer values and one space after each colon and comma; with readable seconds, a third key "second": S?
{"hour": 8, "minute": 29}
